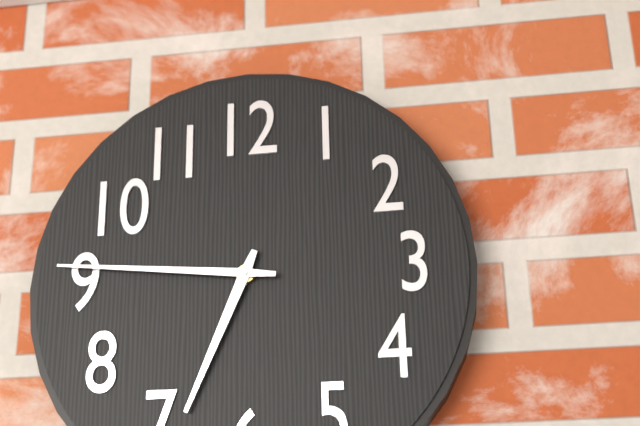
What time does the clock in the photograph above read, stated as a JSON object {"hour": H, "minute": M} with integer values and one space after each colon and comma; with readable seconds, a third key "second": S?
{"hour": 6, "minute": 46}
